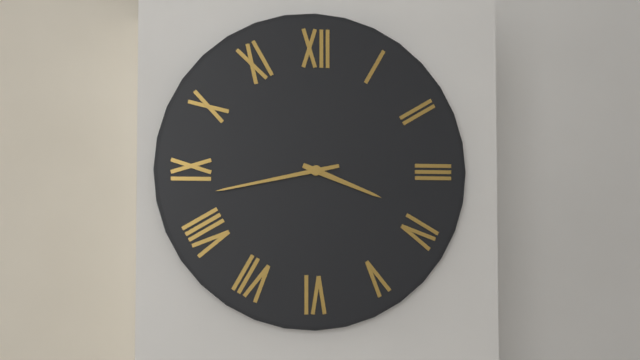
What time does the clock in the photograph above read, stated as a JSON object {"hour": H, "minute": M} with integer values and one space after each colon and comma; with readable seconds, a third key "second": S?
{"hour": 3, "minute": 43}
